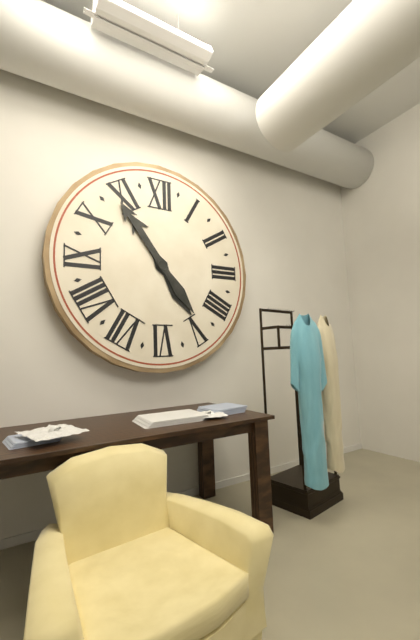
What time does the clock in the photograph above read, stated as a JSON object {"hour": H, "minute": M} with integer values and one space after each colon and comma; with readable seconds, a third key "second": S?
{"hour": 10, "minute": 54}
